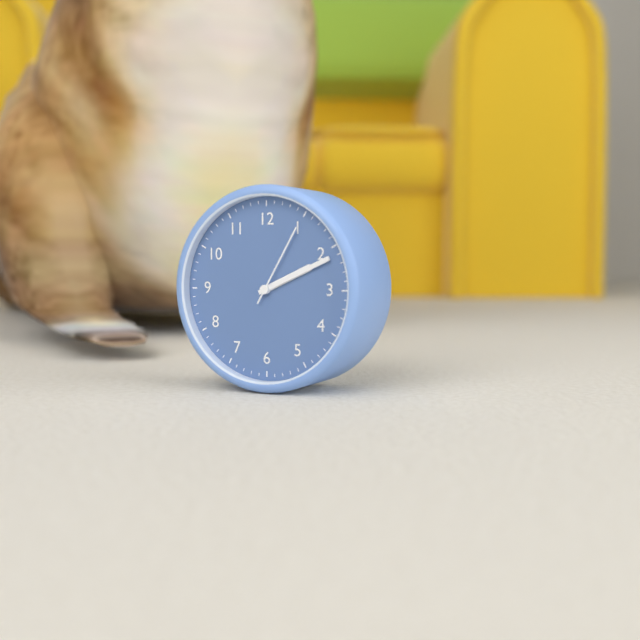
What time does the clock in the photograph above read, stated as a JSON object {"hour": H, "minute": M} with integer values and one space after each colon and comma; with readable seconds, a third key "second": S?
{"hour": 2, "minute": 11, "second": 5}
